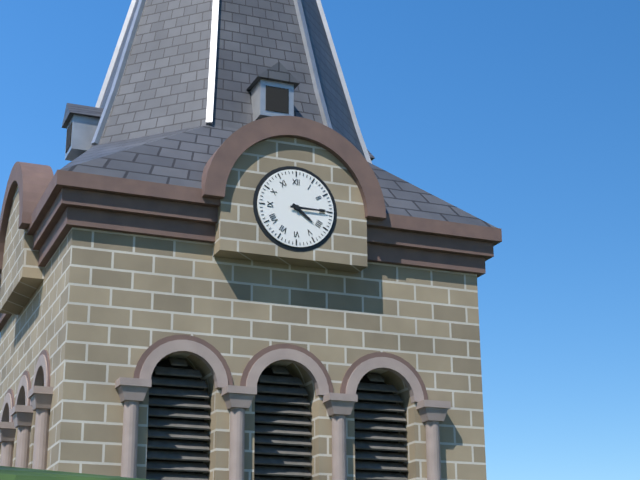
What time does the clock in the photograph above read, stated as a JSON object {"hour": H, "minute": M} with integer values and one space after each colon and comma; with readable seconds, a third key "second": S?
{"hour": 4, "minute": 15}
